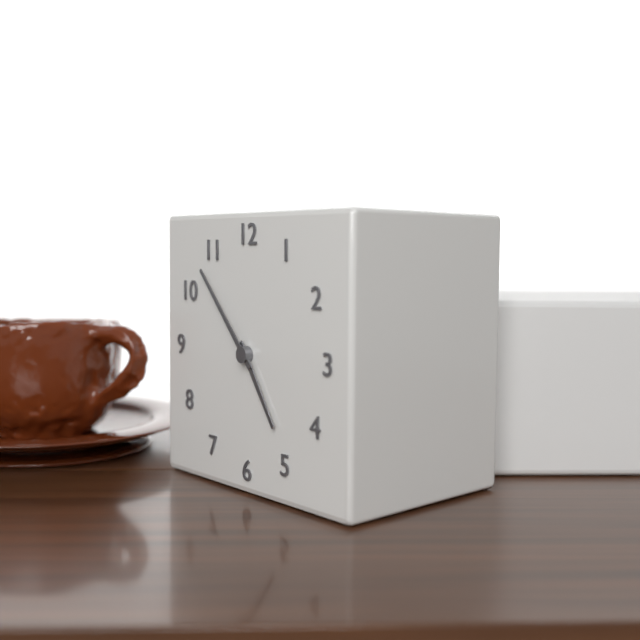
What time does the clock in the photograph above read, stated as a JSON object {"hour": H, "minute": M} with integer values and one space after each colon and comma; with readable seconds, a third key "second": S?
{"hour": 4, "minute": 53}
